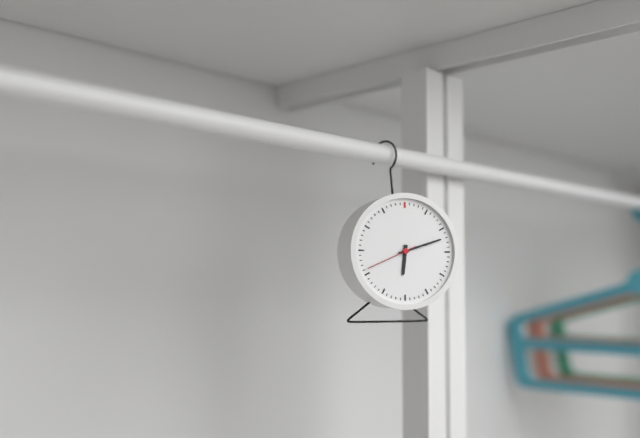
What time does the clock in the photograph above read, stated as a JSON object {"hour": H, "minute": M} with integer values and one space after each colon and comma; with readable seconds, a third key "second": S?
{"hour": 6, "minute": 12, "second": 41}
